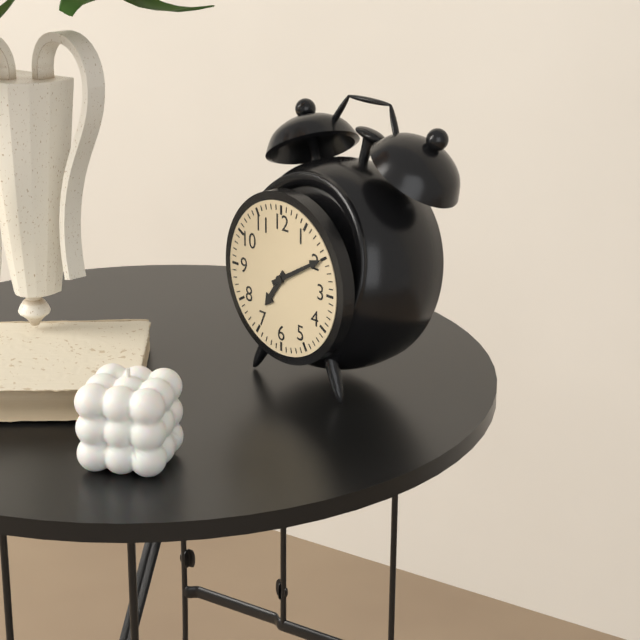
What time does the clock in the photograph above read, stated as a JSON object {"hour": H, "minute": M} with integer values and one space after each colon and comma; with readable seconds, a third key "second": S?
{"hour": 7, "minute": 10}
